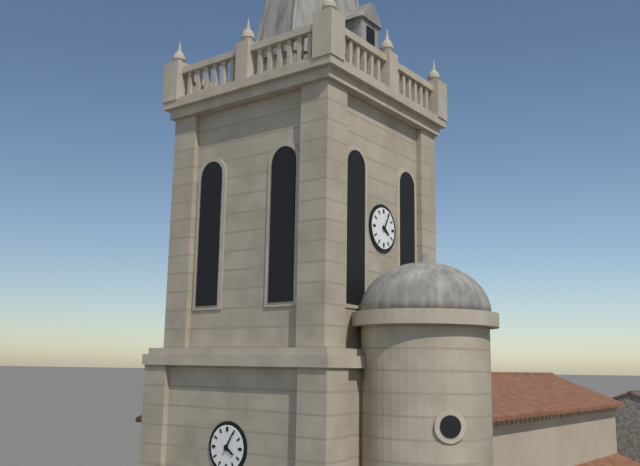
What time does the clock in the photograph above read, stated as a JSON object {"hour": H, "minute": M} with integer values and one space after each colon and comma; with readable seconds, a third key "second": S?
{"hour": 4, "minute": 5}
